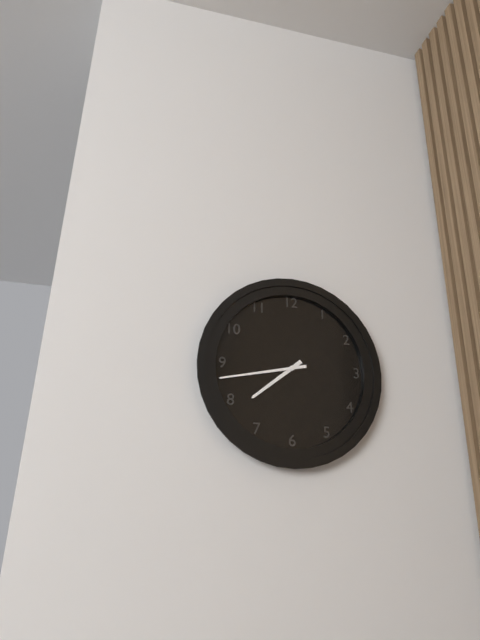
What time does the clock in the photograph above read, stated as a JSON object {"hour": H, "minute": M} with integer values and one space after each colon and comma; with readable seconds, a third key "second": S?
{"hour": 7, "minute": 43}
